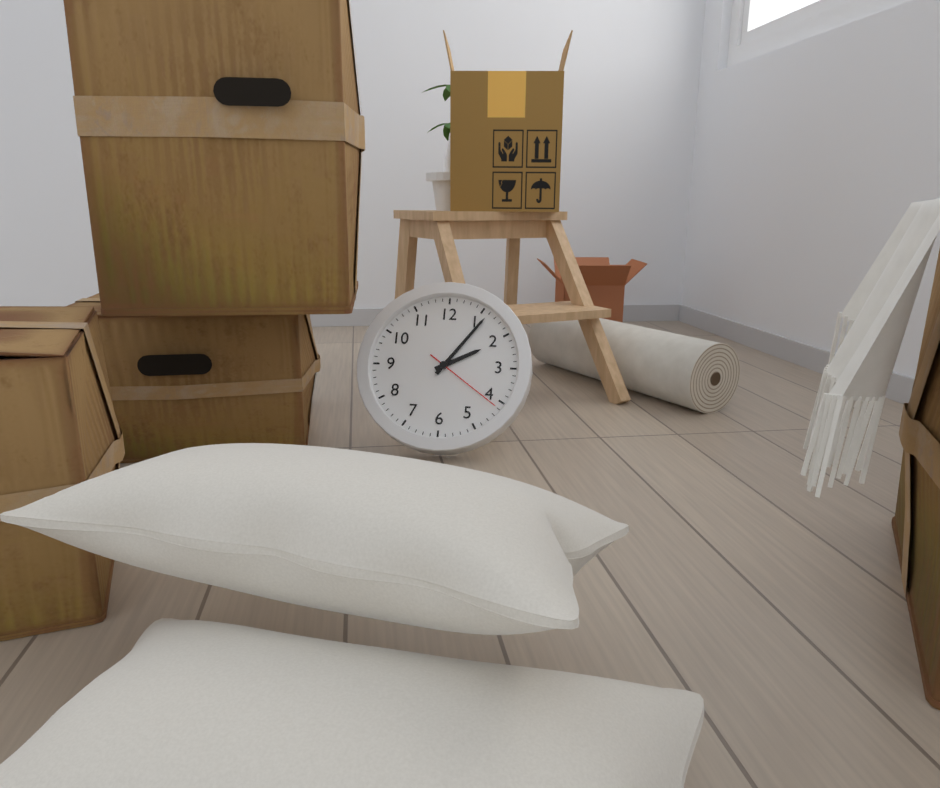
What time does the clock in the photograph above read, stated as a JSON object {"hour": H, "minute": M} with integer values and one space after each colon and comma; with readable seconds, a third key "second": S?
{"hour": 2, "minute": 6, "second": 21}
